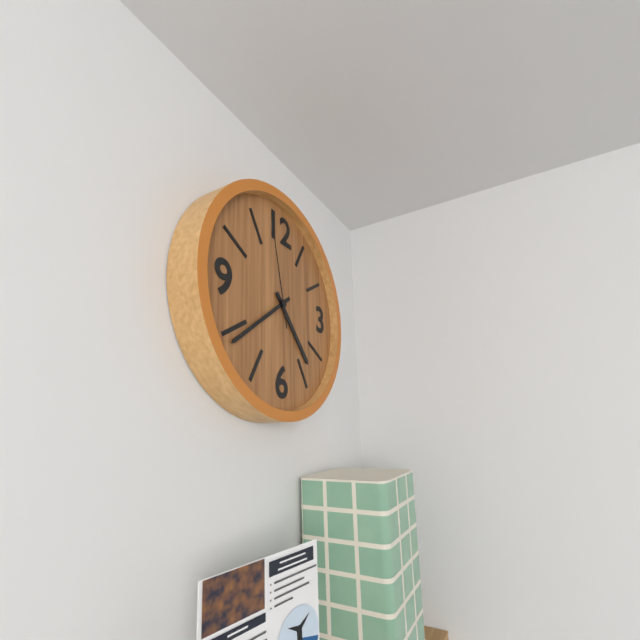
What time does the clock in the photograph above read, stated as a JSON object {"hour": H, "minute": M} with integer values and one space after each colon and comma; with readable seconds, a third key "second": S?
{"hour": 4, "minute": 39, "second": 58}
